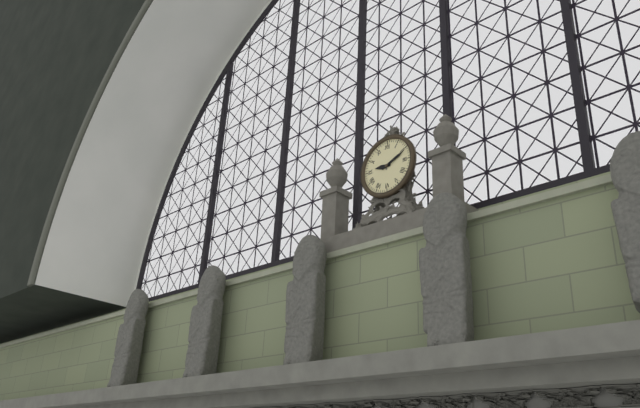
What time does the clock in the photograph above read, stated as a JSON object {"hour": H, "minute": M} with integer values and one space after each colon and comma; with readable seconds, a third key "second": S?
{"hour": 9, "minute": 11}
